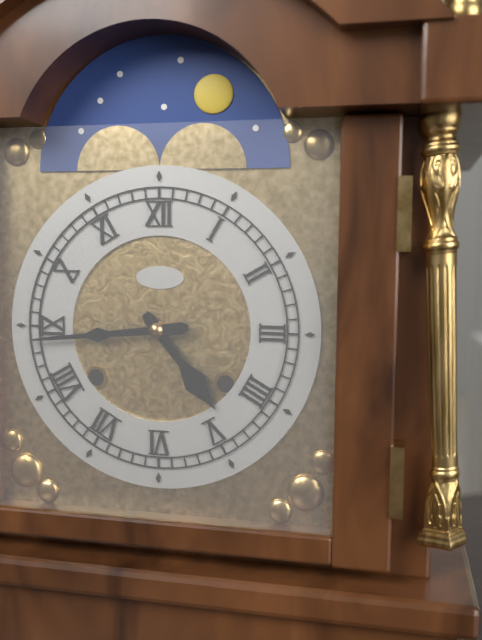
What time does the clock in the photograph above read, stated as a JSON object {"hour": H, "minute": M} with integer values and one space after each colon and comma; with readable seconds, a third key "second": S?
{"hour": 4, "minute": 44}
